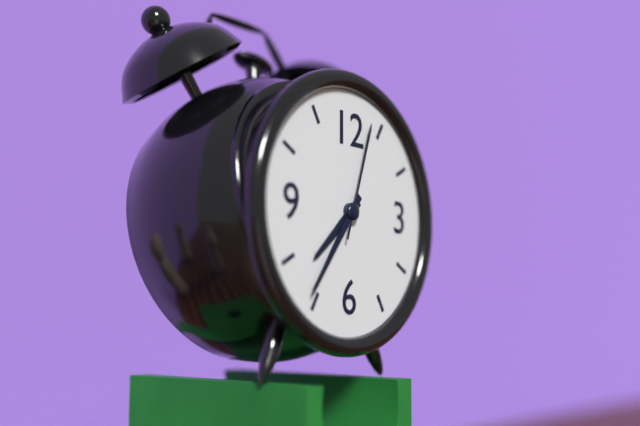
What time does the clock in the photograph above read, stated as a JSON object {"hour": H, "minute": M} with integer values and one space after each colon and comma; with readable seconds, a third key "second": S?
{"hour": 7, "minute": 36, "second": 3}
